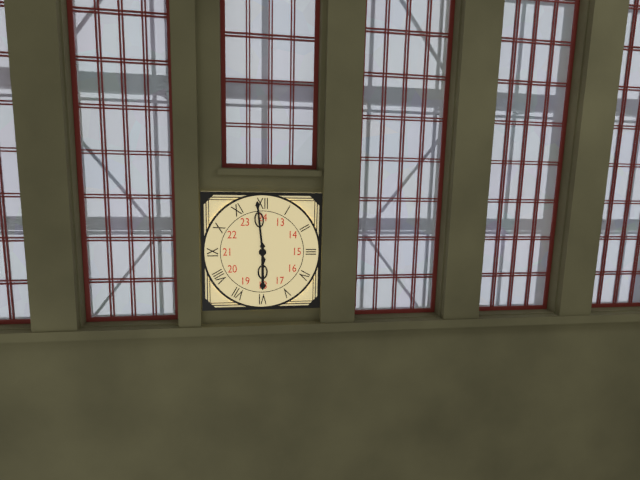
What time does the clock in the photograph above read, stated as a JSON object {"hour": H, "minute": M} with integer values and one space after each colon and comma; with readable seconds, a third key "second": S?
{"hour": 5, "minute": 59}
